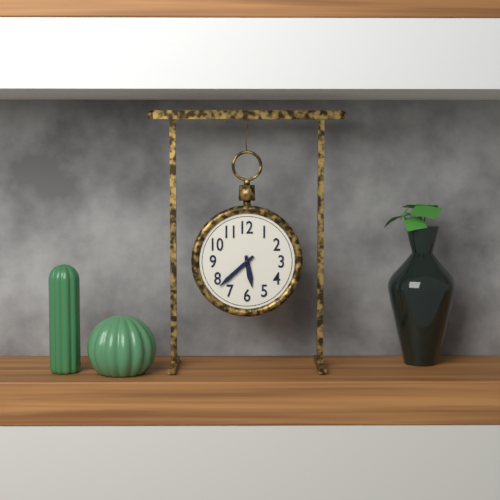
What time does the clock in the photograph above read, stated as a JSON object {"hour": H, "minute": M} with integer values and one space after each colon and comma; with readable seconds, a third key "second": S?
{"hour": 5, "minute": 38}
